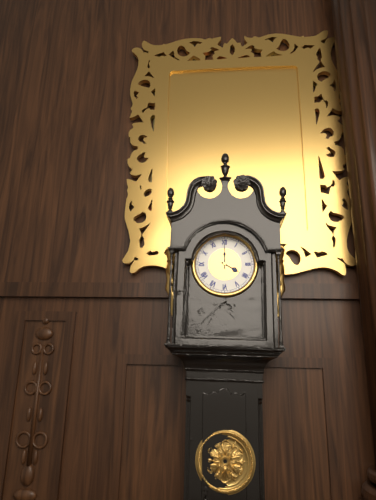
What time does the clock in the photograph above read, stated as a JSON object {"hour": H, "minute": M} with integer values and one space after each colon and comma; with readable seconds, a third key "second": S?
{"hour": 4, "minute": 0}
